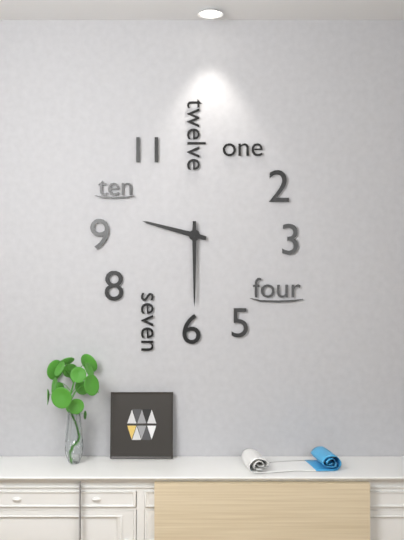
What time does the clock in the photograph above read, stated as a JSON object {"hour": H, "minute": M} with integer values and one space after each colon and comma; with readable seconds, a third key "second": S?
{"hour": 9, "minute": 30}
